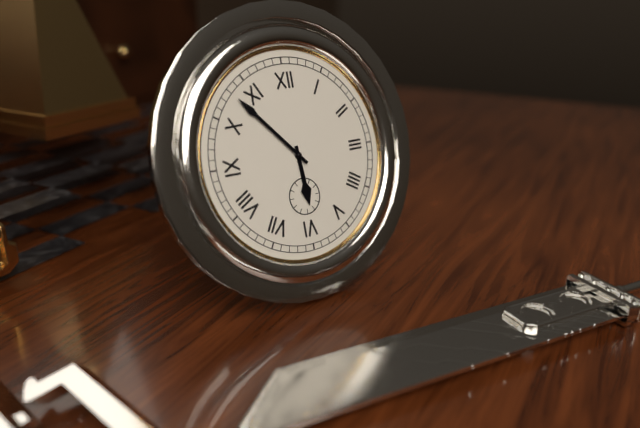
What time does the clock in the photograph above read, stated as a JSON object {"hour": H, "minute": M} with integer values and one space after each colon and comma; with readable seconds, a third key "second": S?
{"hour": 5, "minute": 53}
